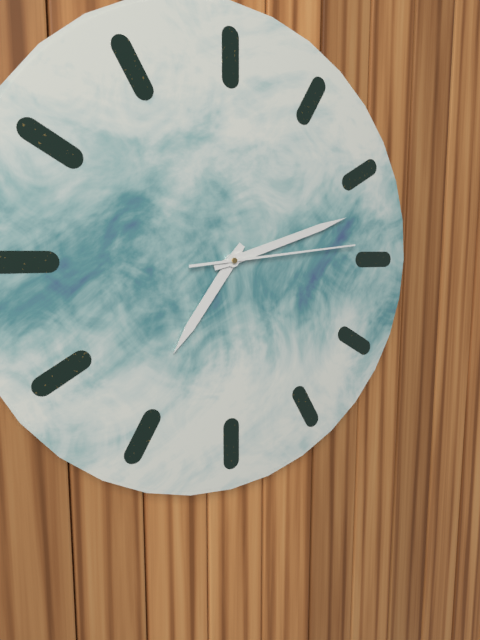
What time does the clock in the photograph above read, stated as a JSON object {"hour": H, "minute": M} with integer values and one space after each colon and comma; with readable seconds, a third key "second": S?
{"hour": 7, "minute": 12, "second": 14}
